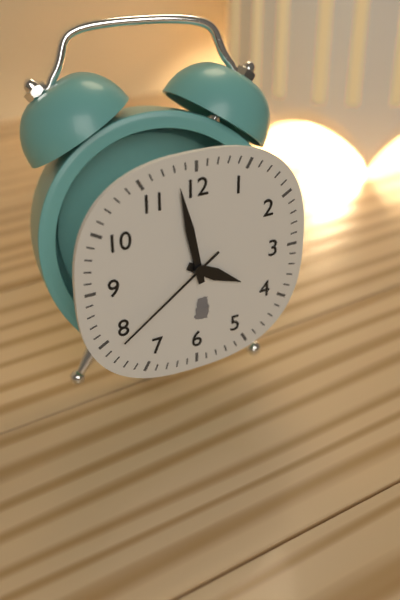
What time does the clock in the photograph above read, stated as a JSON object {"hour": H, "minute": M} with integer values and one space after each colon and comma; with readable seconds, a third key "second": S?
{"hour": 3, "minute": 58, "second": 39}
